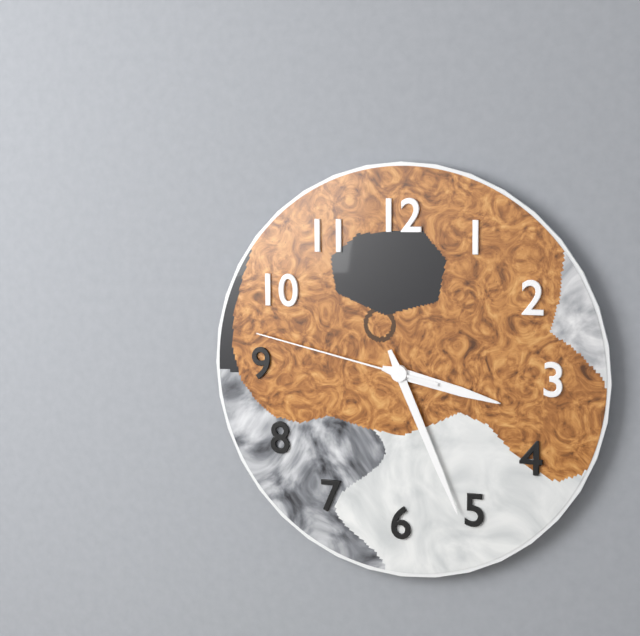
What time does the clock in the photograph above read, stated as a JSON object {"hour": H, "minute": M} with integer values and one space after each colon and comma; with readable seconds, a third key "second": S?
{"hour": 3, "minute": 26, "second": 47}
